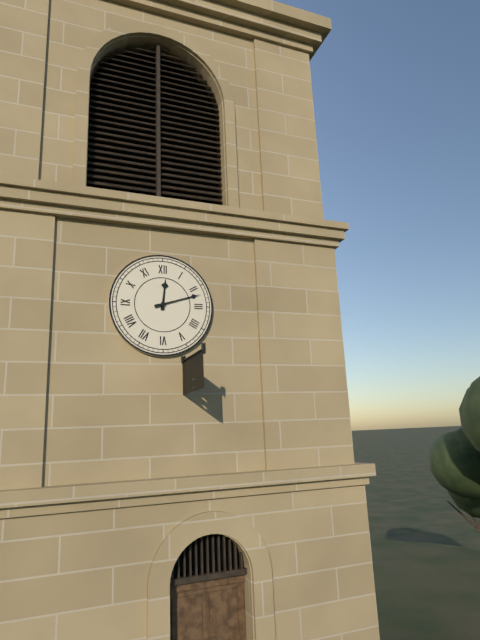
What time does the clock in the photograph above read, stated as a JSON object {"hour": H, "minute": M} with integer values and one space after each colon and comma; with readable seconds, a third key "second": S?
{"hour": 12, "minute": 12}
